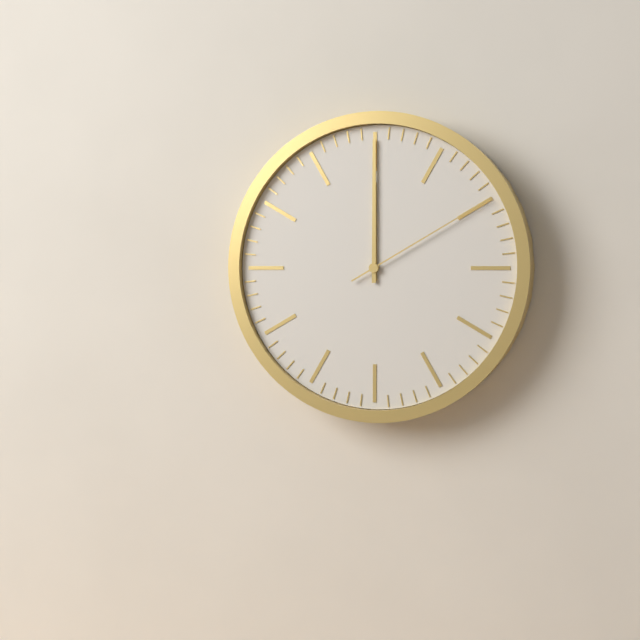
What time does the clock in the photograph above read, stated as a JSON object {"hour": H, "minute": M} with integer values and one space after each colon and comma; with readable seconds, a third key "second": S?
{"hour": 12, "minute": 0, "second": 10}
